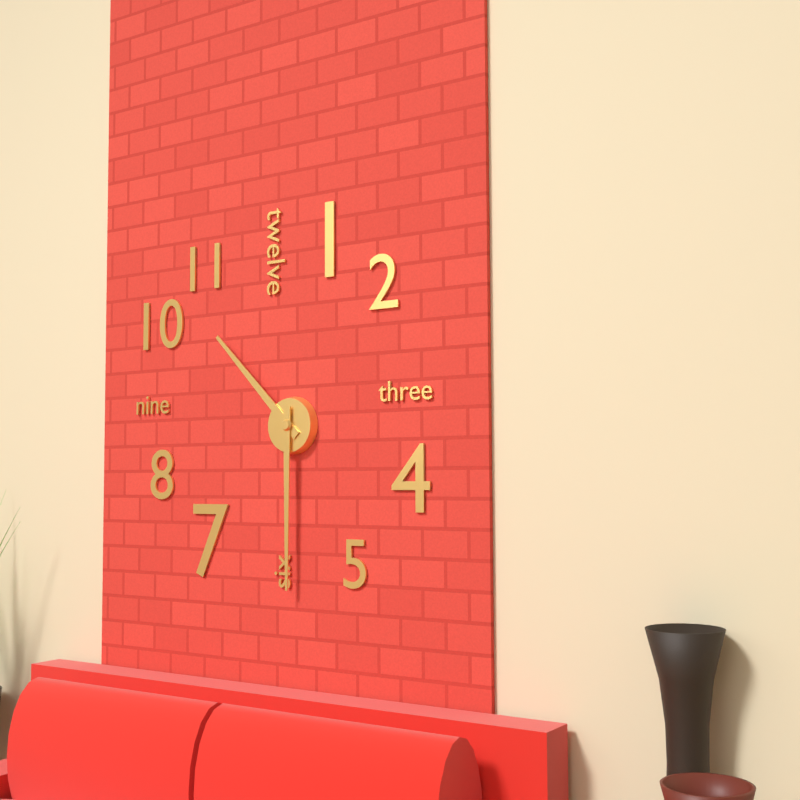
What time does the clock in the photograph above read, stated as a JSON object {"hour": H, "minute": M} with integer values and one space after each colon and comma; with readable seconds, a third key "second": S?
{"hour": 10, "minute": 30}
